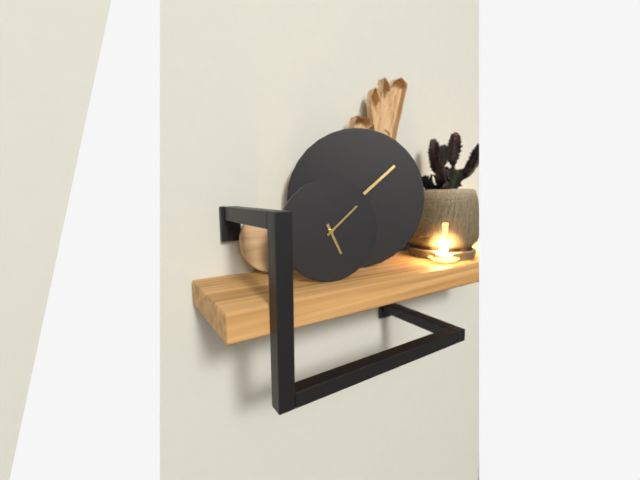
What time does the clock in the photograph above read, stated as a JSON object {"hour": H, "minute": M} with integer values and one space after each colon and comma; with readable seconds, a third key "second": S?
{"hour": 5, "minute": 8}
